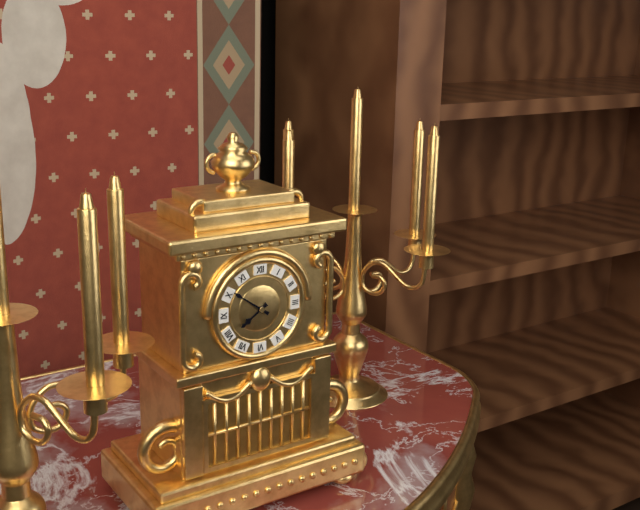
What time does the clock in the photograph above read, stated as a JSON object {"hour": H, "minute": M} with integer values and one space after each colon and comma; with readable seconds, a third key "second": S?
{"hour": 7, "minute": 51}
